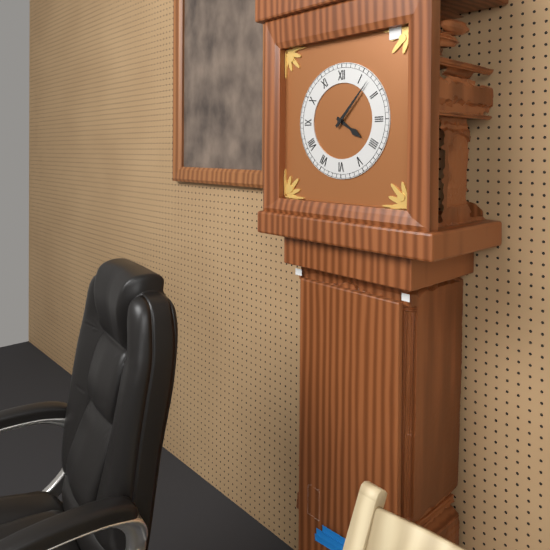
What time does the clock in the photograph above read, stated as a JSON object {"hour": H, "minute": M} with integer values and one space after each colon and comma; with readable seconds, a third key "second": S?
{"hour": 4, "minute": 7}
